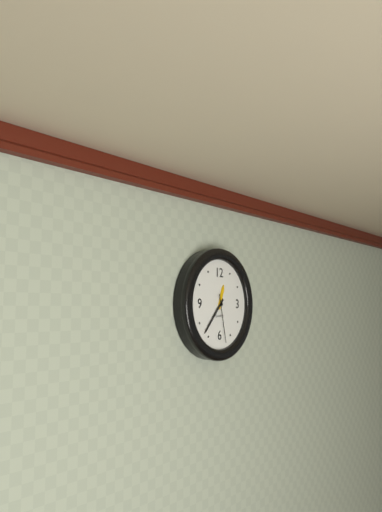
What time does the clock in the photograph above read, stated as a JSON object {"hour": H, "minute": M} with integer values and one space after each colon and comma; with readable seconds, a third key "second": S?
{"hour": 12, "minute": 37}
